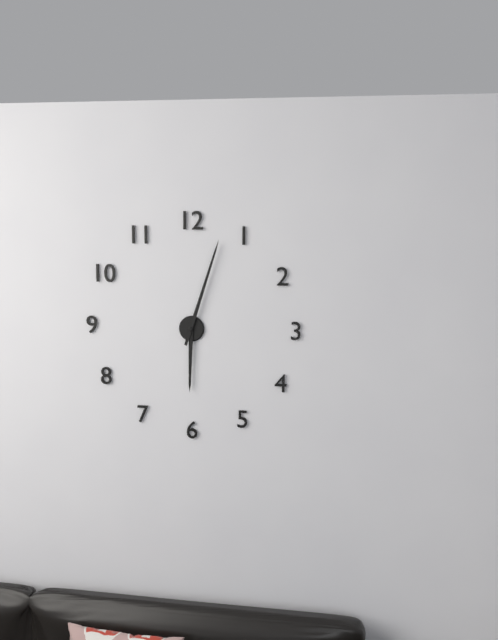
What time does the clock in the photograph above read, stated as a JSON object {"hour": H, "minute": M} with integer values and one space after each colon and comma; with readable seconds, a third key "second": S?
{"hour": 6, "minute": 3}
